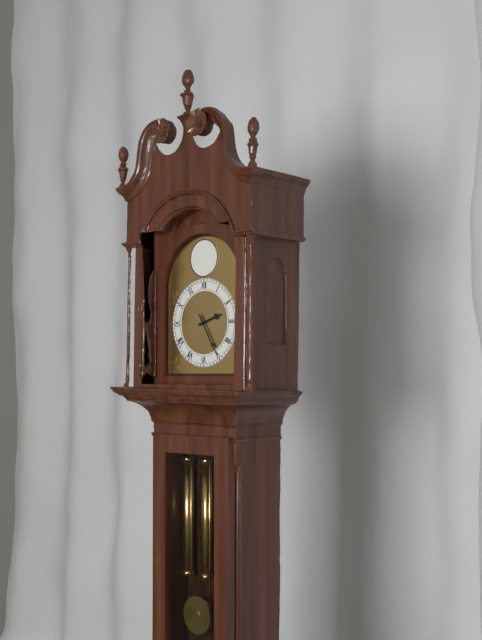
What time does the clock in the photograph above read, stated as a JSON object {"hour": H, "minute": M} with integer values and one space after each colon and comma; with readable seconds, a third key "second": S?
{"hour": 2, "minute": 25}
